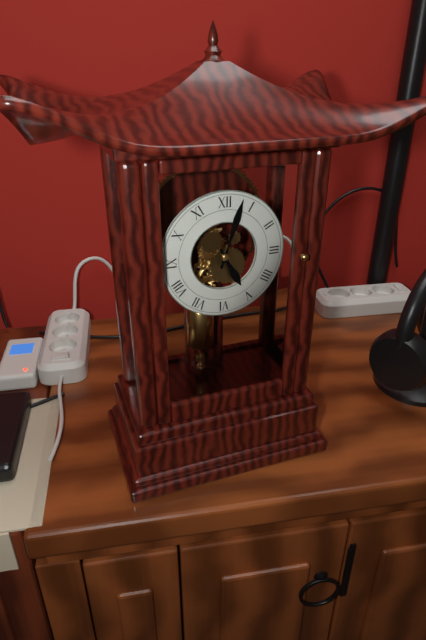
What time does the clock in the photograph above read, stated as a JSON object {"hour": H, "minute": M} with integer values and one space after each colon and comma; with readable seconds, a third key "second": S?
{"hour": 5, "minute": 3}
